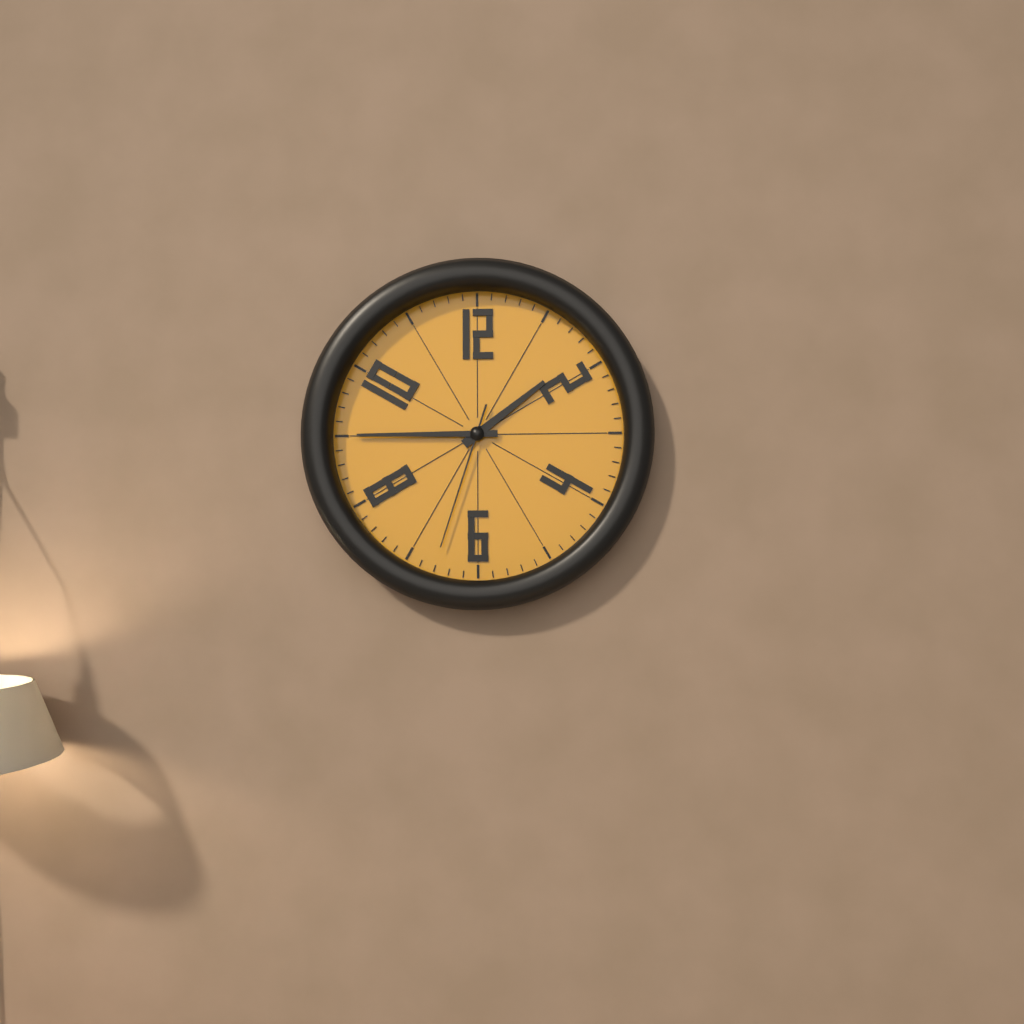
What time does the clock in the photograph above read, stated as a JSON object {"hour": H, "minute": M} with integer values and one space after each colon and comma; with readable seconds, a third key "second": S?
{"hour": 1, "minute": 45, "second": 33}
